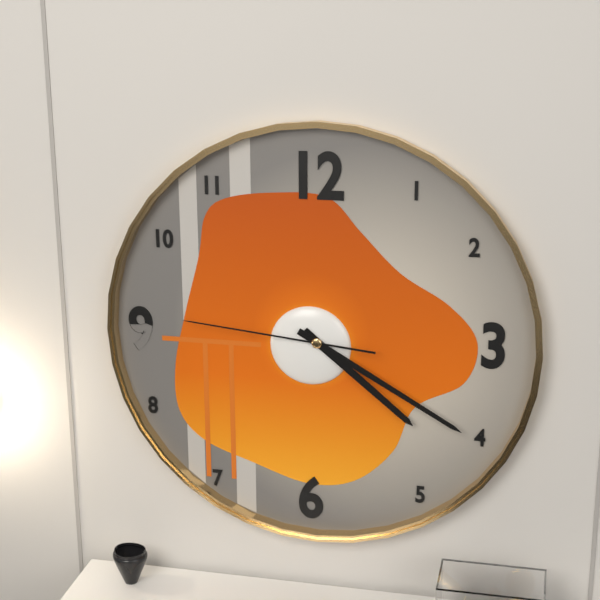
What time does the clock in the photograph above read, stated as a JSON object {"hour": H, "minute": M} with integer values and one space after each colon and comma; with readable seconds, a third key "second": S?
{"hour": 4, "minute": 20, "second": 46}
